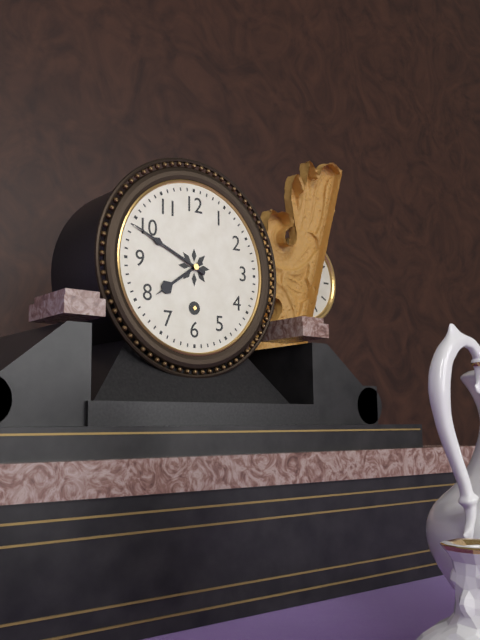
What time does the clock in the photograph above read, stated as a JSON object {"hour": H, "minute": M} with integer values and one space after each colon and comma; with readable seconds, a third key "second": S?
{"hour": 7, "minute": 49}
